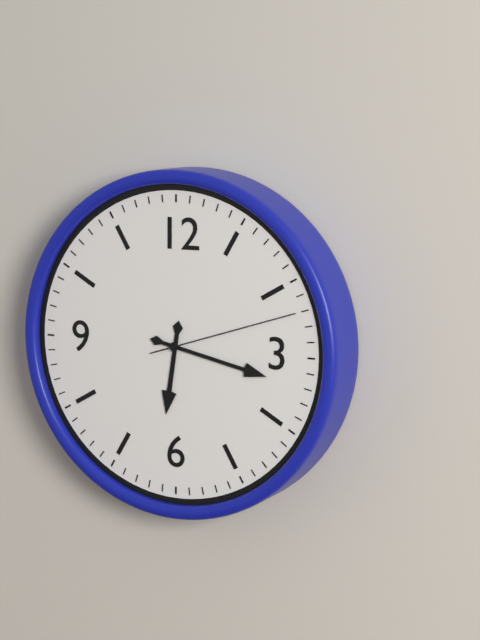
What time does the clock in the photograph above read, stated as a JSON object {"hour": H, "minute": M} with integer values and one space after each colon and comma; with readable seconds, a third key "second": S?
{"hour": 6, "minute": 17, "second": 12}
